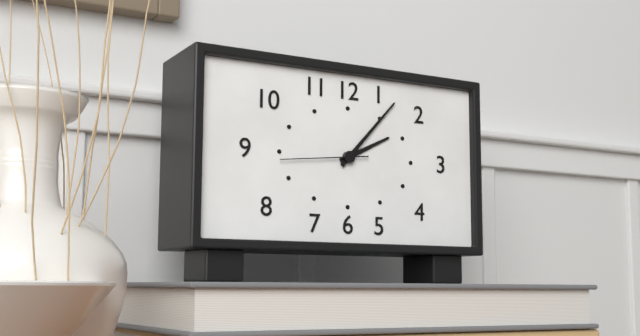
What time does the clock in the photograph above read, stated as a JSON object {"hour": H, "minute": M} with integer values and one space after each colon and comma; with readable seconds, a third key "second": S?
{"hour": 2, "minute": 7, "second": 44}
